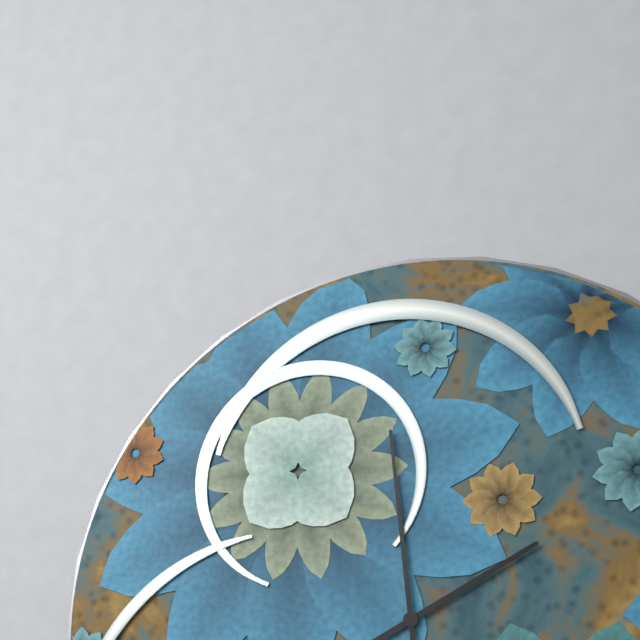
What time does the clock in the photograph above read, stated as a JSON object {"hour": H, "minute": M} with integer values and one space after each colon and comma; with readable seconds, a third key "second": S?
{"hour": 1, "minute": 59}
